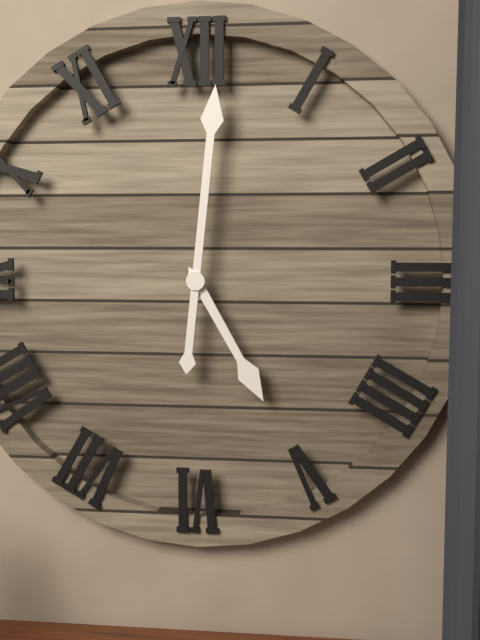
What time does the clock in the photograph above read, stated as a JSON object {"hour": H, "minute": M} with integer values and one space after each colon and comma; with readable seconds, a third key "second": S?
{"hour": 5, "minute": 1}
